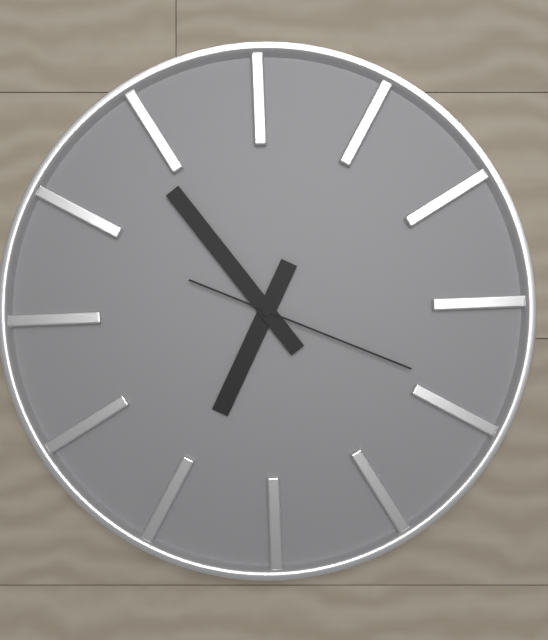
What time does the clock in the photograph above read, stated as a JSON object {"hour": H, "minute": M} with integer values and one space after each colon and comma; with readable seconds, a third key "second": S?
{"hour": 6, "minute": 54, "second": 19}
